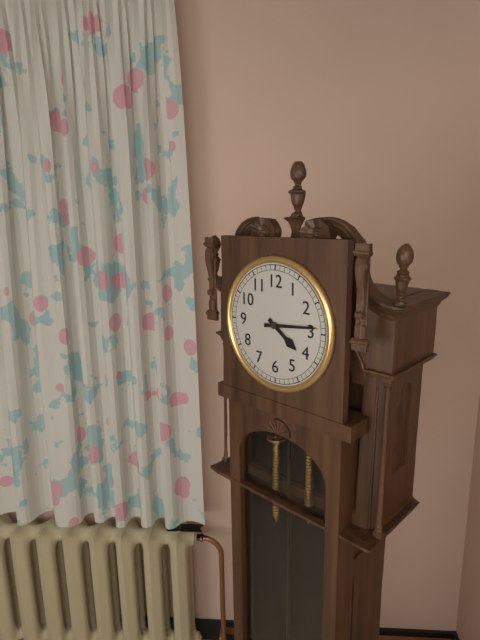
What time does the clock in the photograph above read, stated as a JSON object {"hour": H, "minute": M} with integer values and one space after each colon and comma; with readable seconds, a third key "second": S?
{"hour": 4, "minute": 14}
